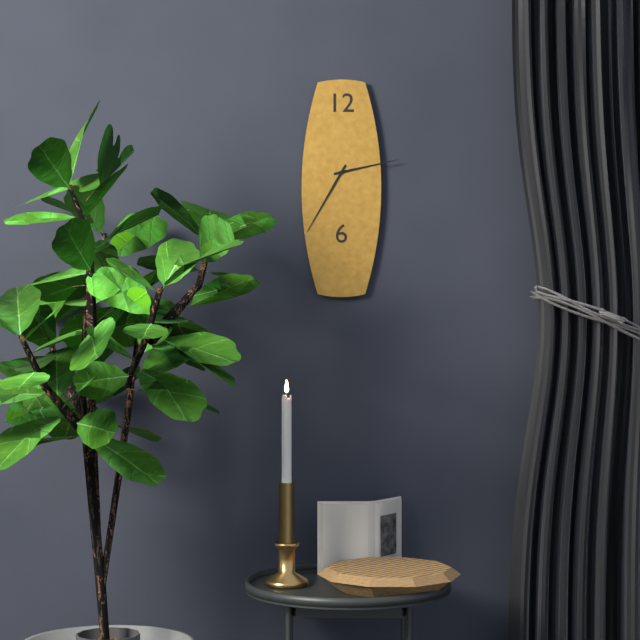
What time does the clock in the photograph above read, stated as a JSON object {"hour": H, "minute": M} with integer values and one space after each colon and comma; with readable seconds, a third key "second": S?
{"hour": 2, "minute": 35}
